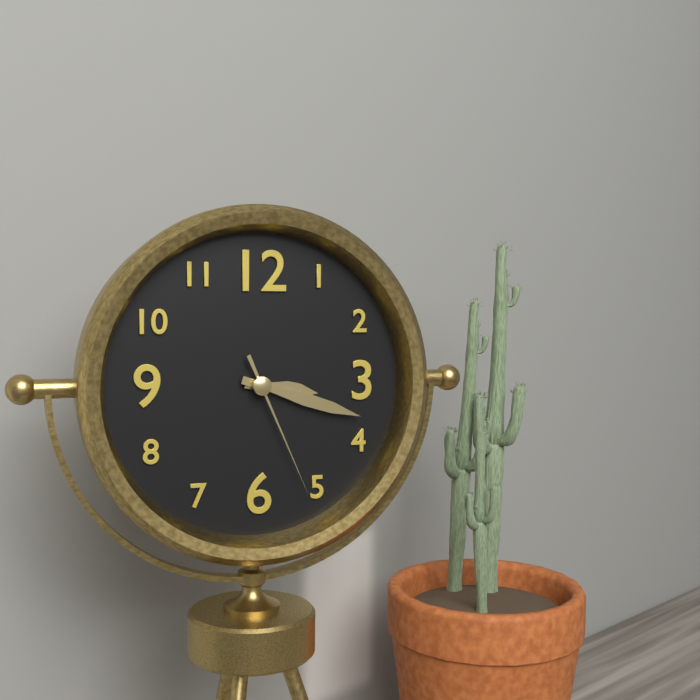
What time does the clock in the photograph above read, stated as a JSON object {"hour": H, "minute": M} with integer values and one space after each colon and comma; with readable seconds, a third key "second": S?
{"hour": 3, "minute": 18, "second": 26}
